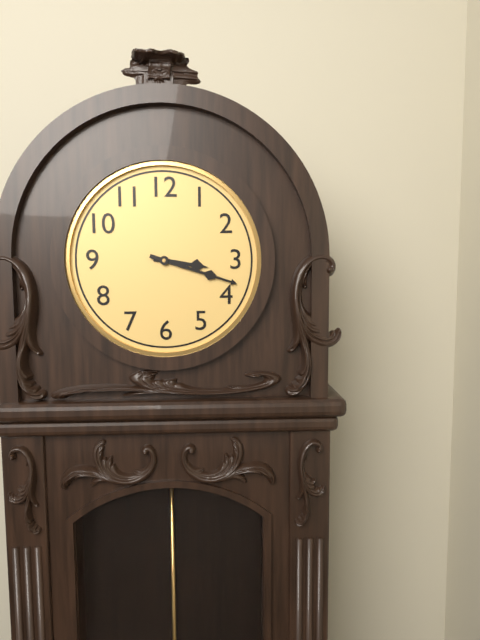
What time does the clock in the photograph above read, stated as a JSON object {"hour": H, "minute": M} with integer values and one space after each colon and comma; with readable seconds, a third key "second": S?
{"hour": 3, "minute": 18}
